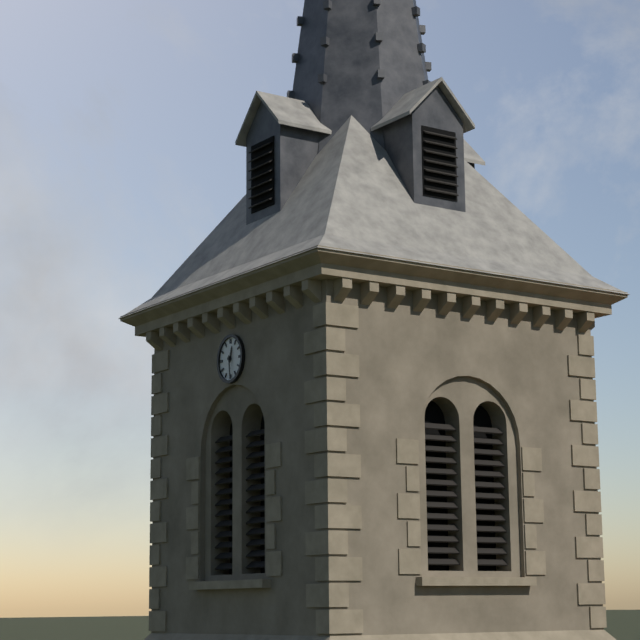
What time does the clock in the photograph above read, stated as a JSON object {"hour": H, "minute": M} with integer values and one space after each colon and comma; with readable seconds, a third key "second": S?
{"hour": 12, "minute": 29}
